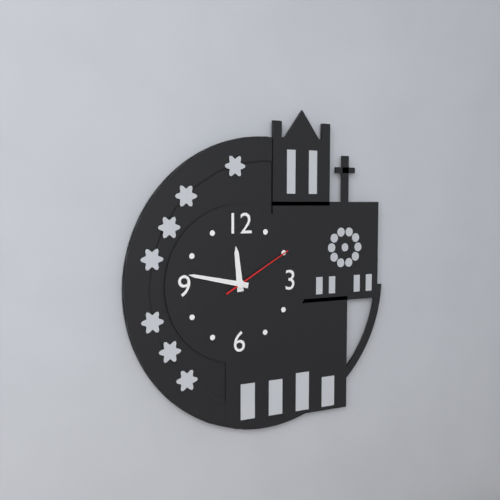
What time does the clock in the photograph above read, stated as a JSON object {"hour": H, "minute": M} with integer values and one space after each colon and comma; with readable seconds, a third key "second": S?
{"hour": 11, "minute": 47, "second": 10}
